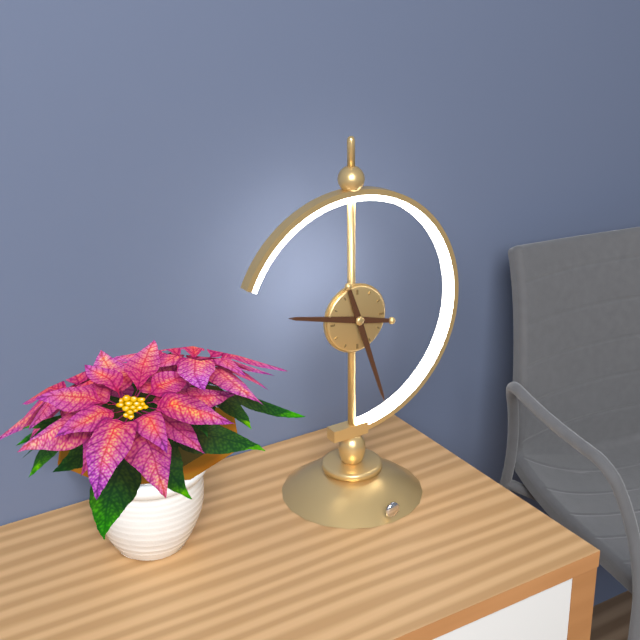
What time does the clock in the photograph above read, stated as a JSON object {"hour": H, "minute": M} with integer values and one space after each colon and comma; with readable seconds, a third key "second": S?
{"hour": 9, "minute": 27}
